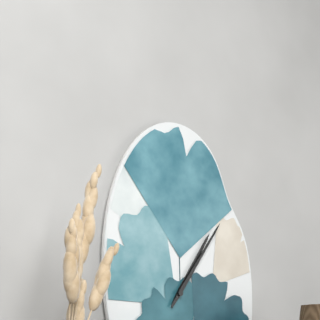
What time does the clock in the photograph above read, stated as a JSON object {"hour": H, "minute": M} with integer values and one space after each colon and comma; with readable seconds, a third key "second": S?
{"hour": 1, "minute": 6}
